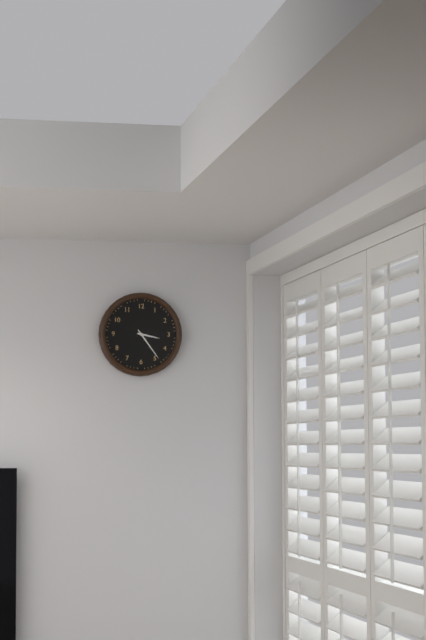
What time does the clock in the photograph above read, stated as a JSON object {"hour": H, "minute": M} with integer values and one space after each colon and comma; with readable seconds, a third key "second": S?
{"hour": 3, "minute": 24}
